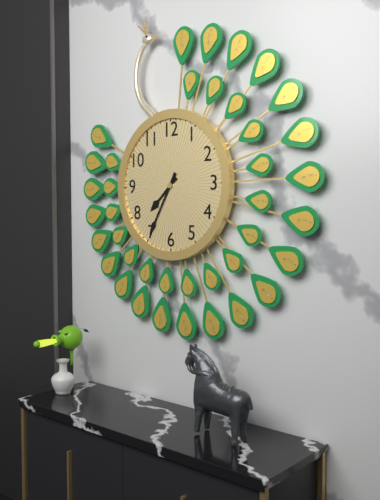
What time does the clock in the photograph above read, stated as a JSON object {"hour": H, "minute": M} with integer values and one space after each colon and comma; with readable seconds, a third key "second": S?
{"hour": 7, "minute": 35}
